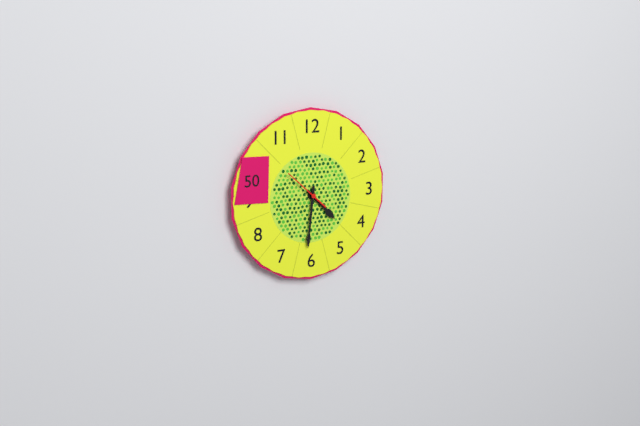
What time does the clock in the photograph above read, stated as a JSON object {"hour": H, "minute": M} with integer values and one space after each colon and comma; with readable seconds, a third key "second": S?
{"hour": 4, "minute": 31}
